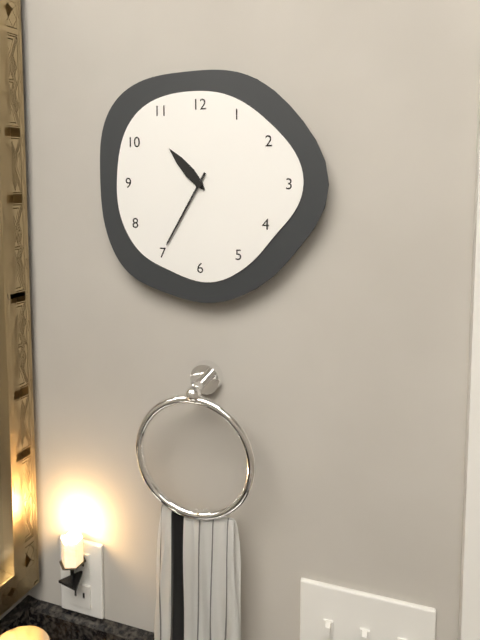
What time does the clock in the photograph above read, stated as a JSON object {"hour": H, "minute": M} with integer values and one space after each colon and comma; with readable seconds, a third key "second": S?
{"hour": 10, "minute": 35}
